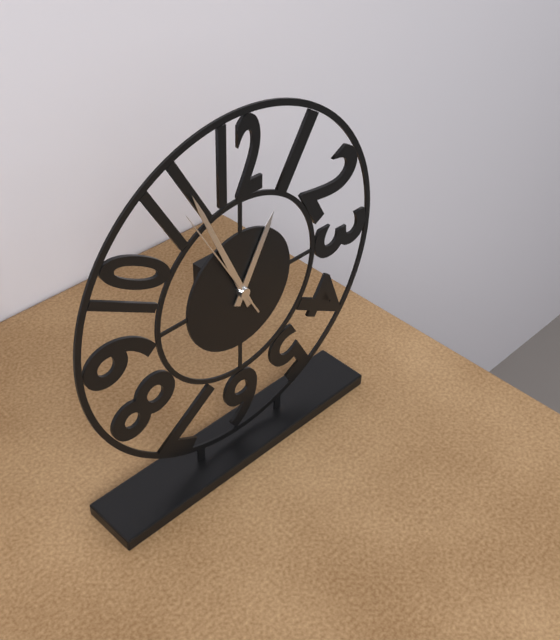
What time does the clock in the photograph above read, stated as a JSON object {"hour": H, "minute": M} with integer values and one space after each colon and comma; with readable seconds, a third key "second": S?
{"hour": 12, "minute": 56, "second": 55}
